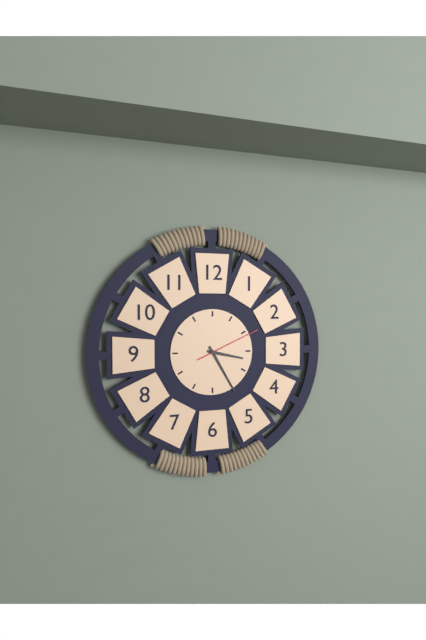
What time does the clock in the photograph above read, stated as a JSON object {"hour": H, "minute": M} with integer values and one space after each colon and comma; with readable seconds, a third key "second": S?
{"hour": 3, "minute": 25, "second": 11}
